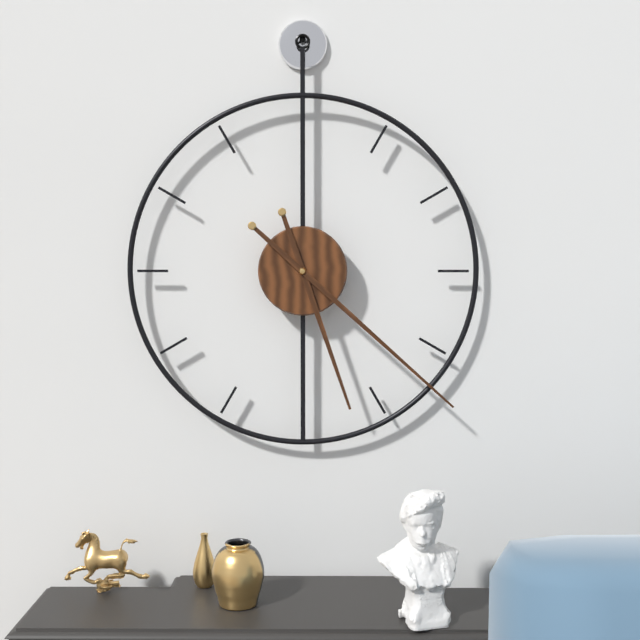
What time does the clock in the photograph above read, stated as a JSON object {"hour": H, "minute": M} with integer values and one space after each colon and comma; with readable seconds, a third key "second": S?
{"hour": 5, "minute": 22}
